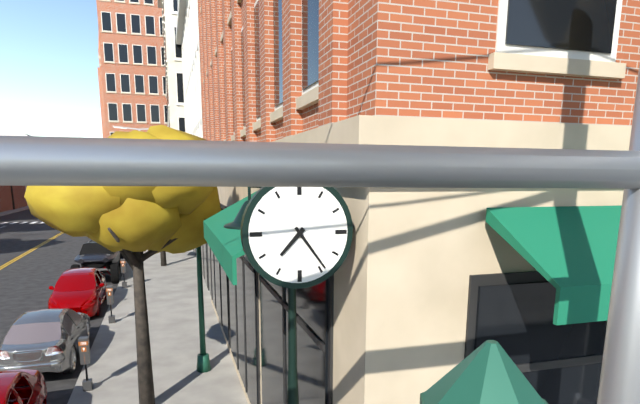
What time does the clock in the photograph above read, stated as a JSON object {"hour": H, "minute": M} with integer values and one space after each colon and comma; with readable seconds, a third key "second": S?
{"hour": 7, "minute": 24}
